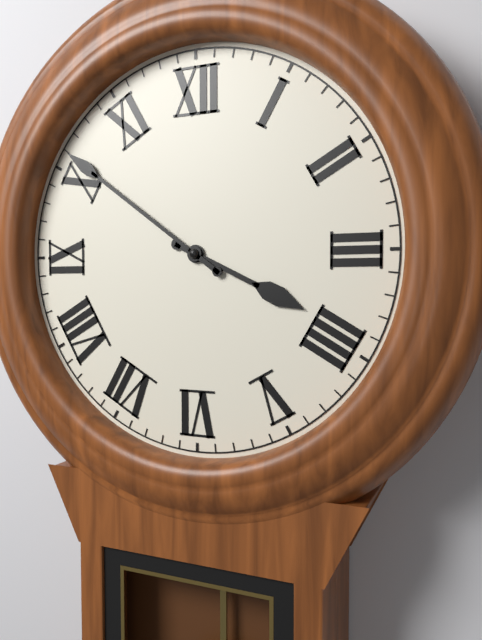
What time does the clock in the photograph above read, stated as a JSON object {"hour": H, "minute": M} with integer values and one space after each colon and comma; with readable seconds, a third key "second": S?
{"hour": 3, "minute": 51}
